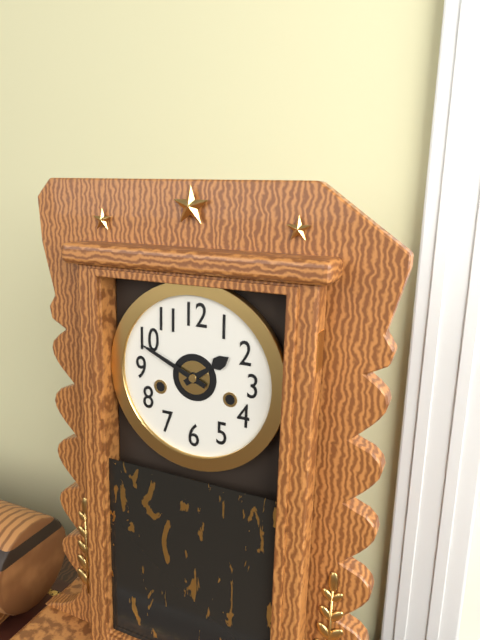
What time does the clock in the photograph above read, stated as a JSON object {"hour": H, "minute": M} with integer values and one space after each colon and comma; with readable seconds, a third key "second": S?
{"hour": 1, "minute": 49}
